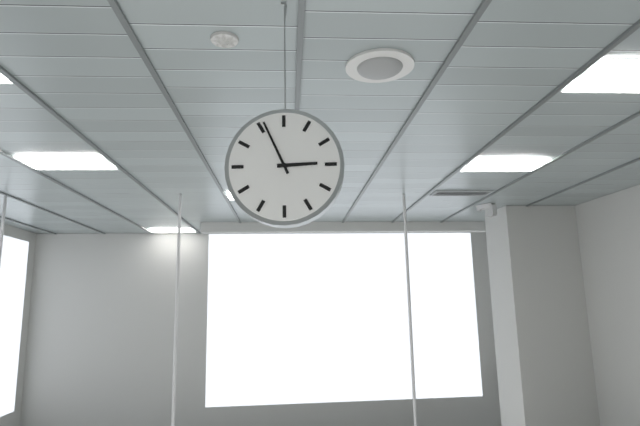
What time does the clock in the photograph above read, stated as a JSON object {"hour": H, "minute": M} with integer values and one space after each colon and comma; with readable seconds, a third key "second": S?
{"hour": 2, "minute": 56}
